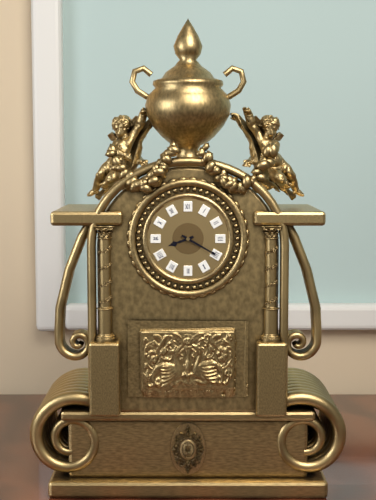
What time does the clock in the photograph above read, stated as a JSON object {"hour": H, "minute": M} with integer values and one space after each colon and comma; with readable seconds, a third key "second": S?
{"hour": 8, "minute": 20}
